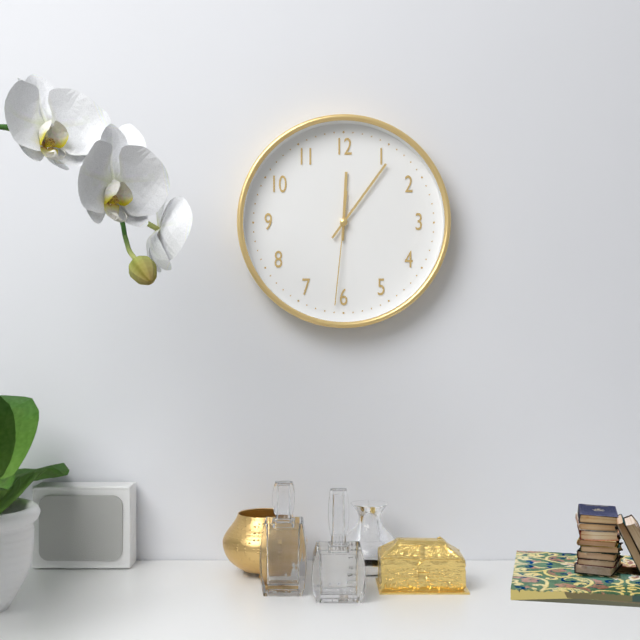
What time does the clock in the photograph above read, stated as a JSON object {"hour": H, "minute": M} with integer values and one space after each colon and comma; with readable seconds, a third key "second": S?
{"hour": 12, "minute": 6, "second": 31}
